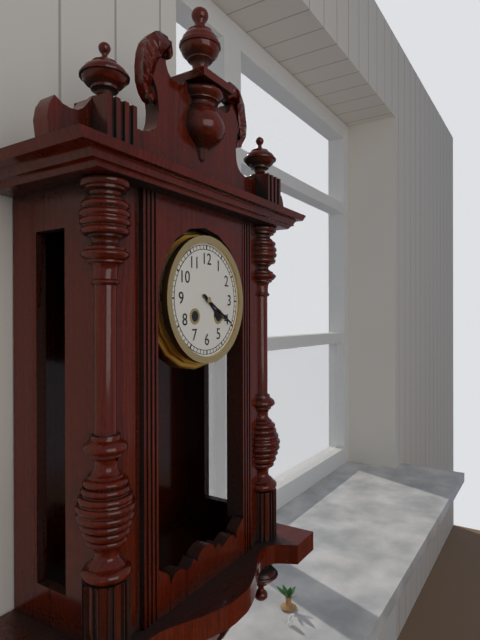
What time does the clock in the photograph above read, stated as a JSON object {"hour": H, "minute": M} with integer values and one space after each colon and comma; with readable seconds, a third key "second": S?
{"hour": 4, "minute": 20}
